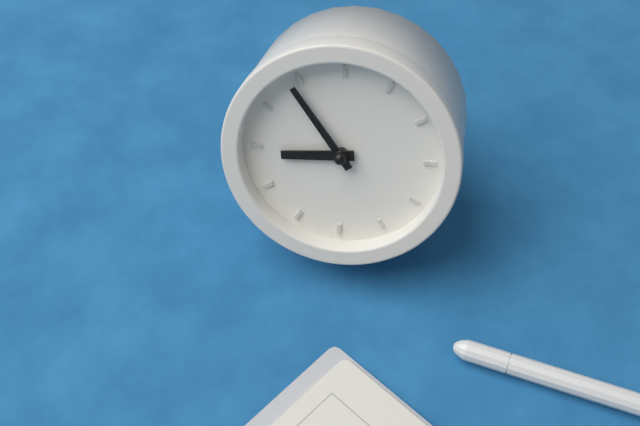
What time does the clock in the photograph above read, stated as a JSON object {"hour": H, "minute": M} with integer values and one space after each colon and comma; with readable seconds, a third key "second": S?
{"hour": 7, "minute": 49}
